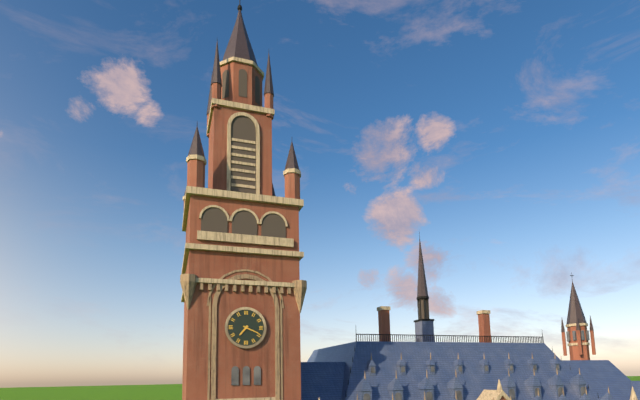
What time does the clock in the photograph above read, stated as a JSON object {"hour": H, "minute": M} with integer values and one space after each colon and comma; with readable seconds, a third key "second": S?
{"hour": 7, "minute": 19}
